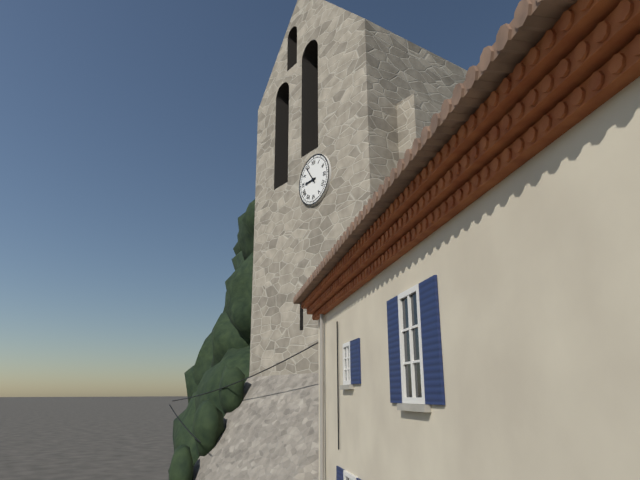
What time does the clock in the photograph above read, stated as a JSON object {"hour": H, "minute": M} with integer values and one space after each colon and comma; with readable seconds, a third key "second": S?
{"hour": 8, "minute": 54}
